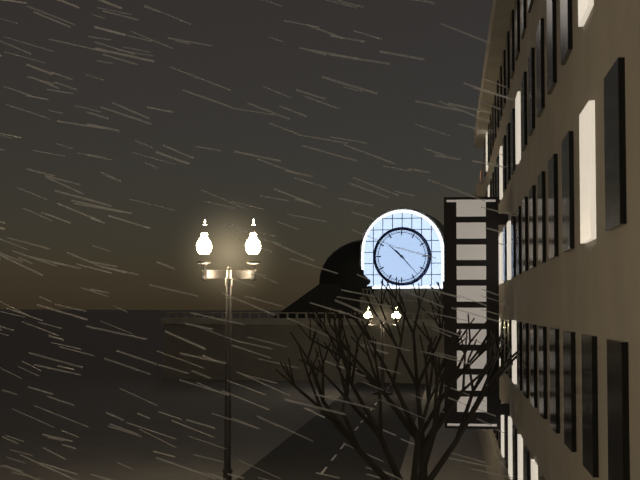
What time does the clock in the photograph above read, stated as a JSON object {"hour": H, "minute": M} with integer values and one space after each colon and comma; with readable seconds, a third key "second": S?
{"hour": 10, "minute": 23}
